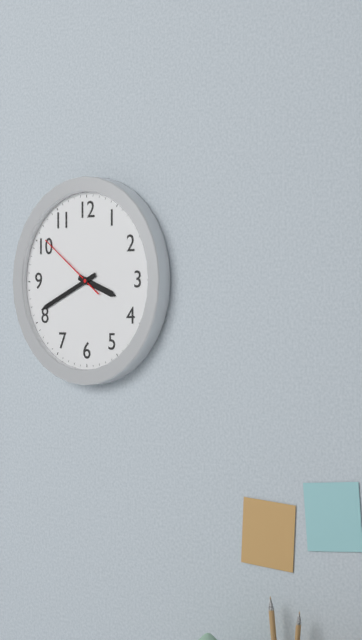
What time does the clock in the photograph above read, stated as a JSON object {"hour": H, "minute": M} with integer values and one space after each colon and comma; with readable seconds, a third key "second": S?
{"hour": 3, "minute": 41, "second": 51}
